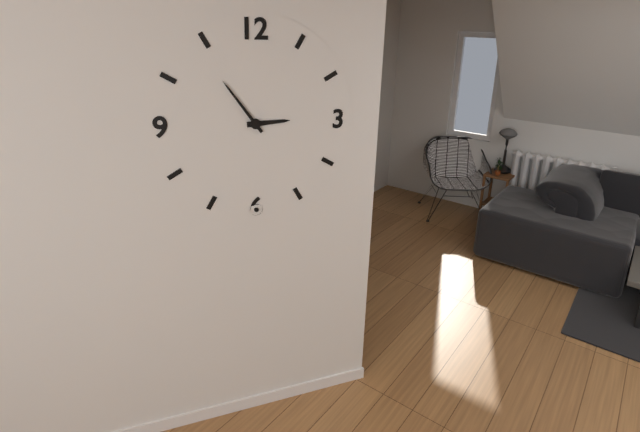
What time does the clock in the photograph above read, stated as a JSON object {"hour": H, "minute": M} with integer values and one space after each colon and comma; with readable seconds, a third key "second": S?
{"hour": 2, "minute": 54}
